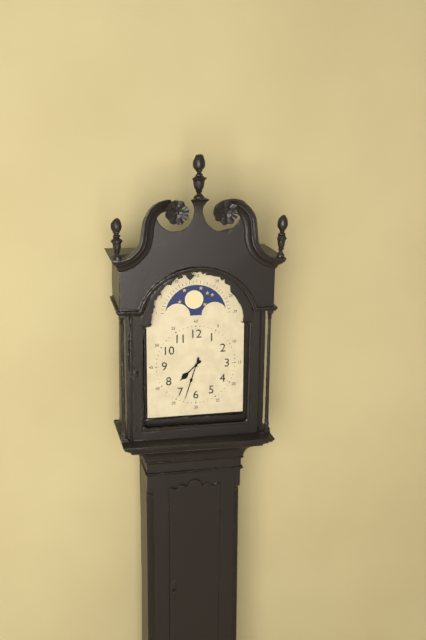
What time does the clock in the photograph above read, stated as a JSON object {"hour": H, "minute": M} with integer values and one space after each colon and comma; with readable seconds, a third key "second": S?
{"hour": 7, "minute": 33}
